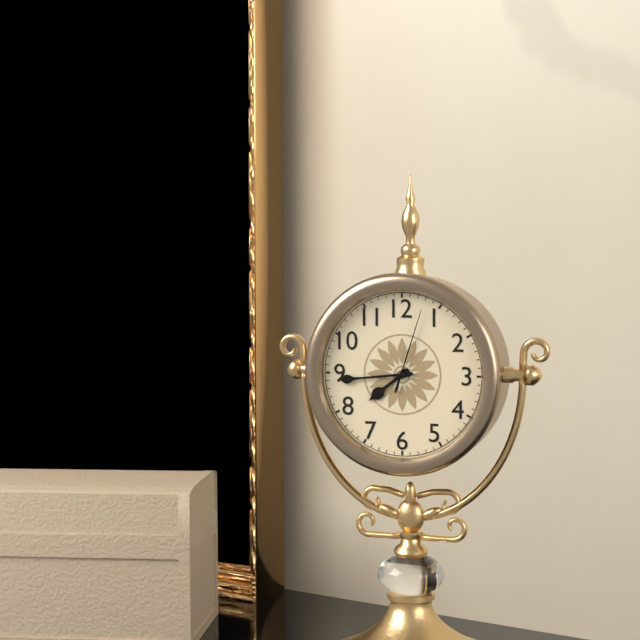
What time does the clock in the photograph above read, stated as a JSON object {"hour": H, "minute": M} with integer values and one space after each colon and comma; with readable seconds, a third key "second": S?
{"hour": 7, "minute": 44, "second": 3}
